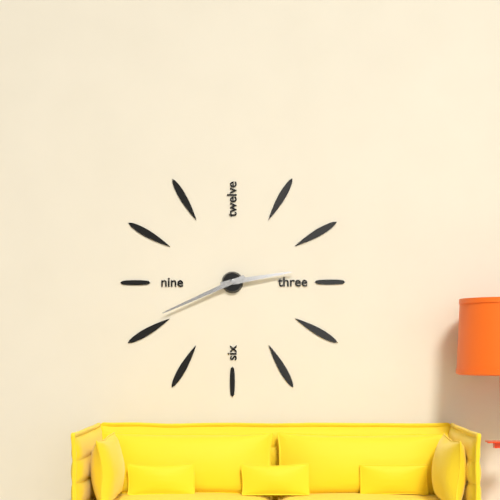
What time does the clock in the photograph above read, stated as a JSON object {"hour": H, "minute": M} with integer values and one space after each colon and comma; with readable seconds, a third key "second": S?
{"hour": 2, "minute": 41}
